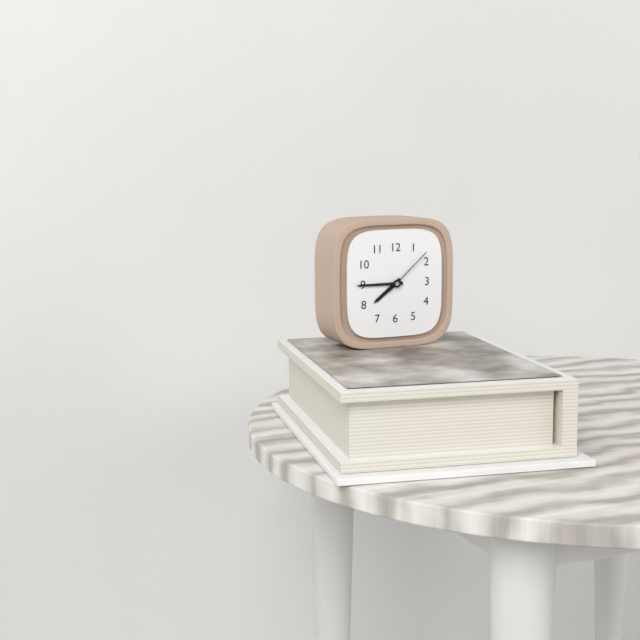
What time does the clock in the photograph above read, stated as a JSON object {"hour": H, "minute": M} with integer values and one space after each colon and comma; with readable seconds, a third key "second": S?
{"hour": 7, "minute": 45, "second": 8}
